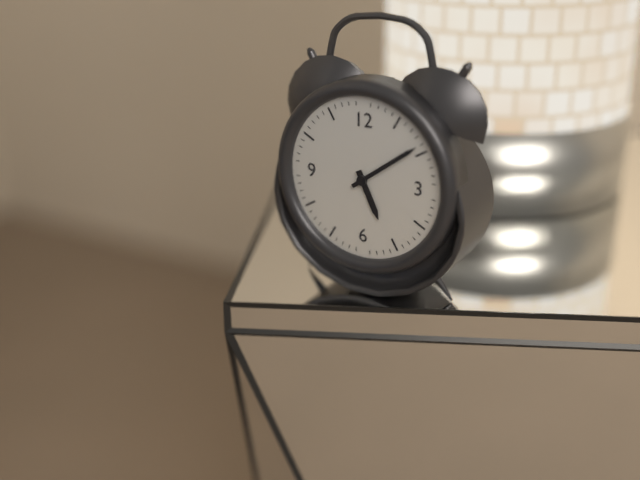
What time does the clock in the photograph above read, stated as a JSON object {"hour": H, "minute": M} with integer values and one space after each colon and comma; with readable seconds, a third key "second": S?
{"hour": 5, "minute": 9}
